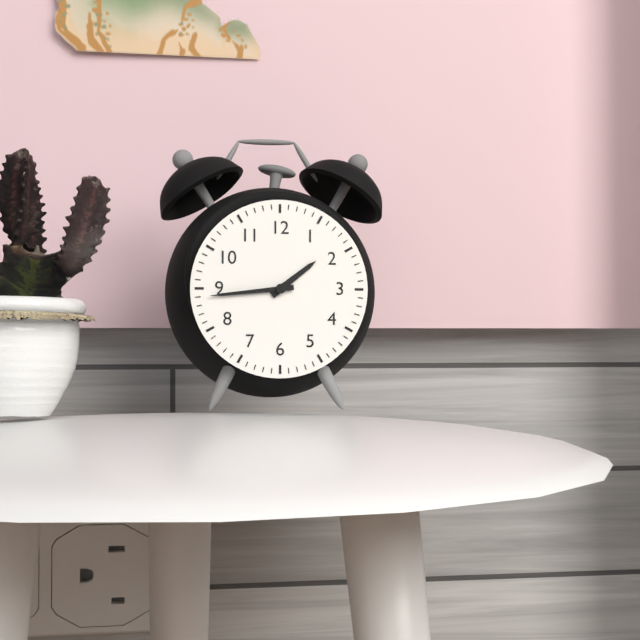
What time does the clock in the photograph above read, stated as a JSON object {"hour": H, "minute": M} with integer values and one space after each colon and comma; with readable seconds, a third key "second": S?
{"hour": 1, "minute": 44}
